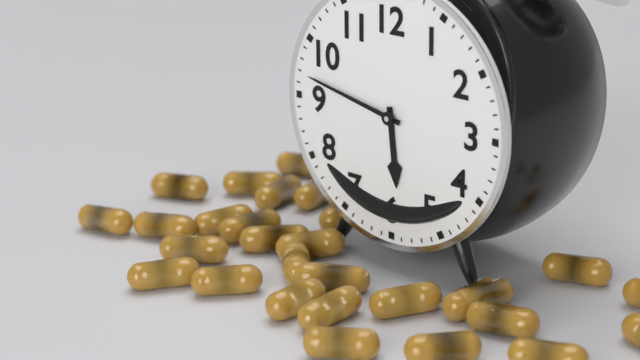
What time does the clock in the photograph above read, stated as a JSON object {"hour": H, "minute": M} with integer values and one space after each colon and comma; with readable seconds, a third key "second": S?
{"hour": 5, "minute": 47}
